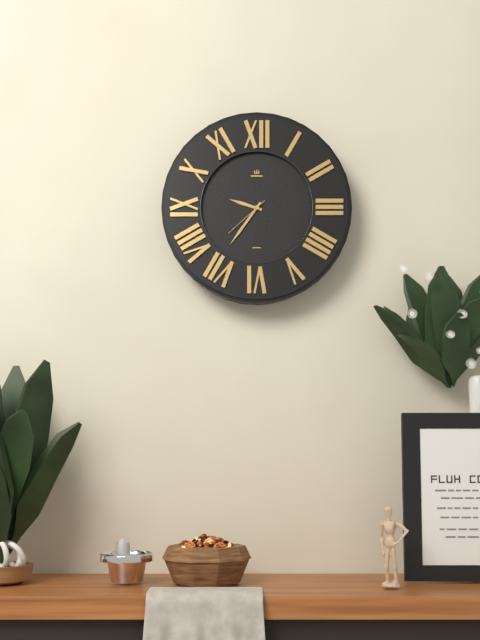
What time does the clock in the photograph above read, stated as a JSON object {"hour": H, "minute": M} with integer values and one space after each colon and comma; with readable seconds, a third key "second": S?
{"hour": 9, "minute": 36}
